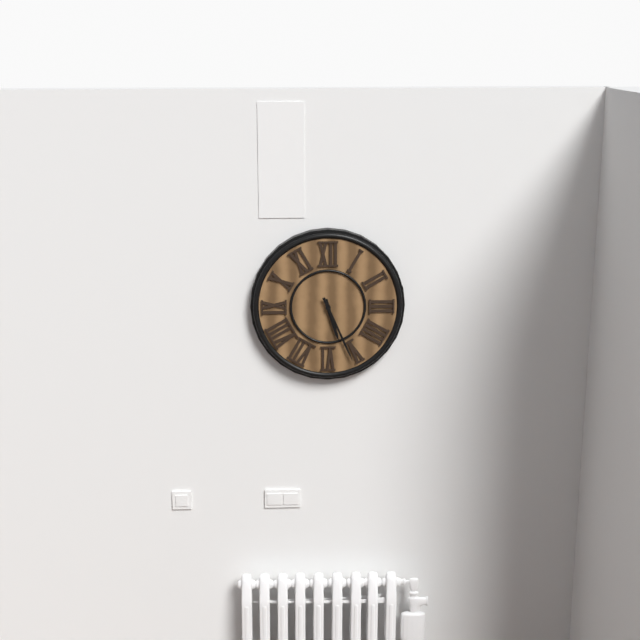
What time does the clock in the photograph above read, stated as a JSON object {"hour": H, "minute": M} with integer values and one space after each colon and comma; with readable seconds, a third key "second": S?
{"hour": 5, "minute": 26}
